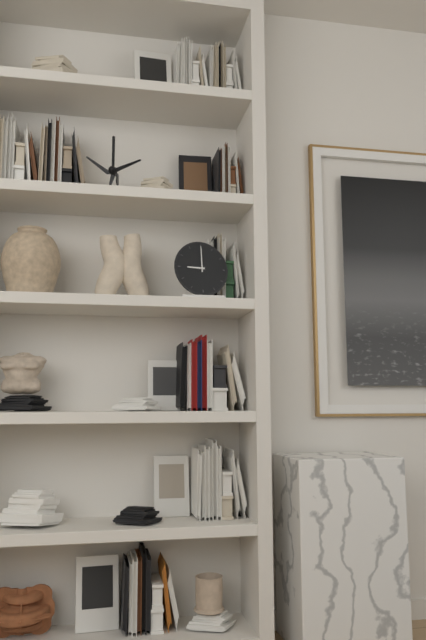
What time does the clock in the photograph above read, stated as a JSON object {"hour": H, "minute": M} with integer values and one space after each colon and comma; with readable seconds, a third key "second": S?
{"hour": 9, "minute": 0}
